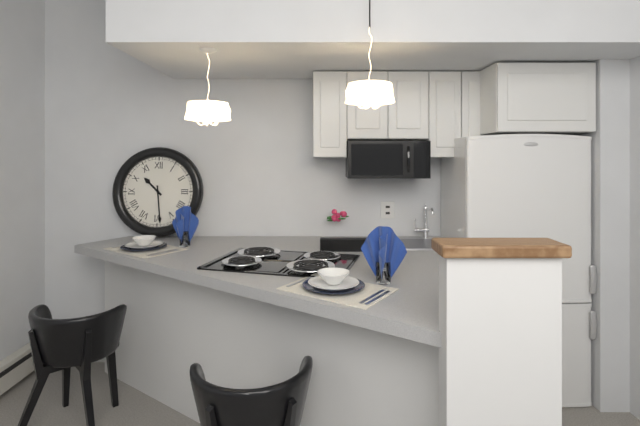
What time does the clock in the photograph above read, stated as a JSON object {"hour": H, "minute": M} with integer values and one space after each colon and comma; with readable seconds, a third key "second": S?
{"hour": 10, "minute": 29}
